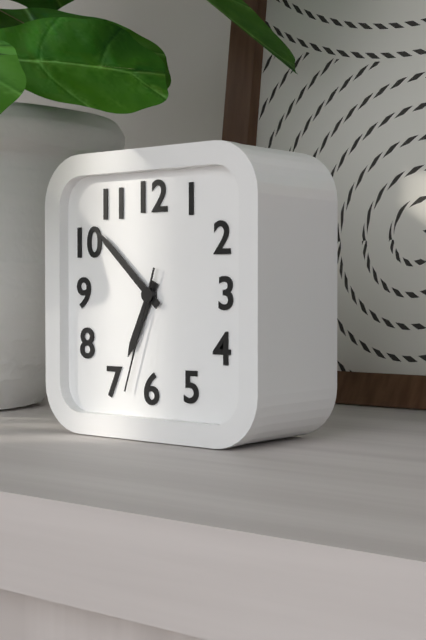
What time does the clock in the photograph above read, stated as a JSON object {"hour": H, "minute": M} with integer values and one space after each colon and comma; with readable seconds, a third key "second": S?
{"hour": 6, "minute": 52, "second": 33}
